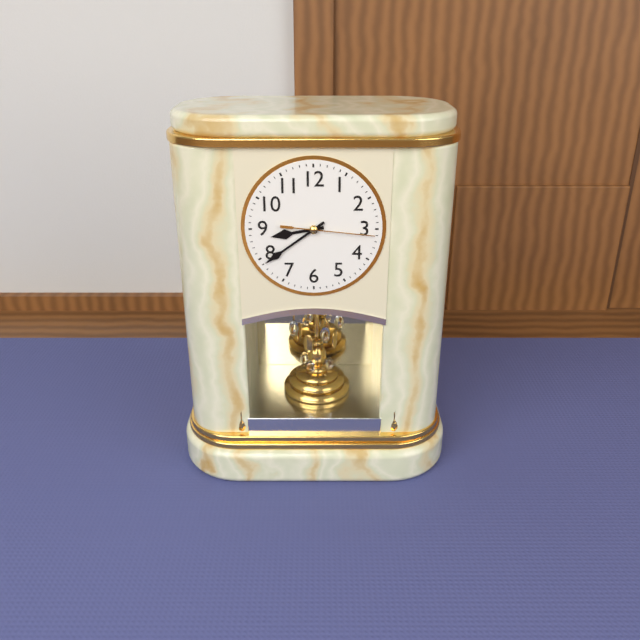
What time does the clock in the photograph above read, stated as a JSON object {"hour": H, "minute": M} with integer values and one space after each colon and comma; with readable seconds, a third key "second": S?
{"hour": 8, "minute": 39, "second": 16}
